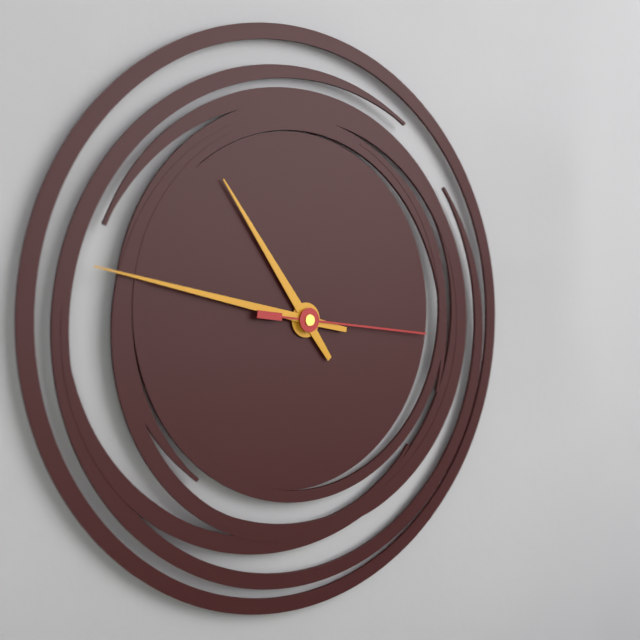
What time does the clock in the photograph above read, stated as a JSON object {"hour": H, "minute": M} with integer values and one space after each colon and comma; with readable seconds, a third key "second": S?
{"hour": 10, "minute": 47, "second": 16}
